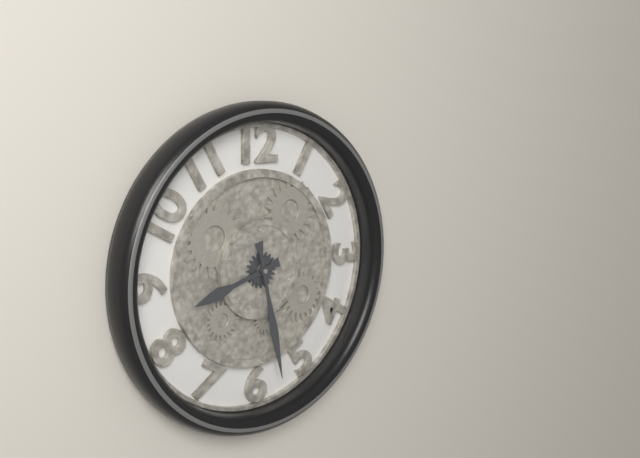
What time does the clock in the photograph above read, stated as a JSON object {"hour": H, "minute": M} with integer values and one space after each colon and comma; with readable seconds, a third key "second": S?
{"hour": 8, "minute": 28}
